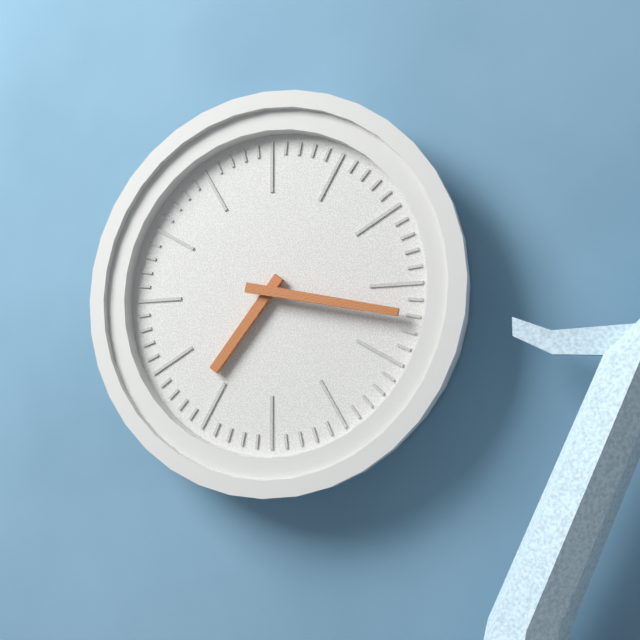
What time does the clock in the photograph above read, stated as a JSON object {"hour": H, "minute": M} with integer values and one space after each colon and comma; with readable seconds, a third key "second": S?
{"hour": 7, "minute": 17}
